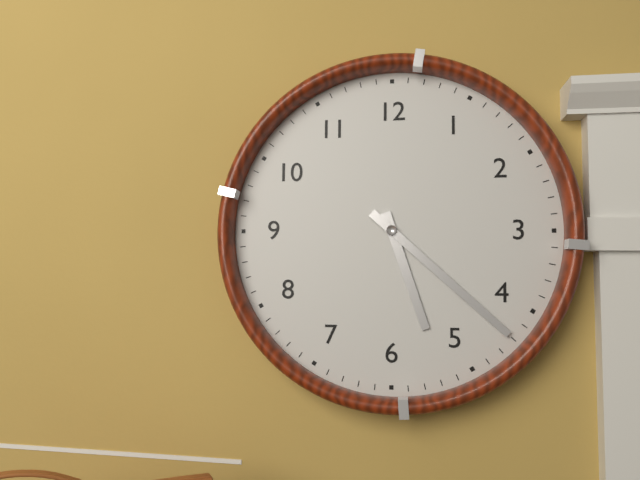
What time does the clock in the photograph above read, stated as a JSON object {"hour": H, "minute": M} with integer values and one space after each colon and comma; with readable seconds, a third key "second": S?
{"hour": 5, "minute": 22}
